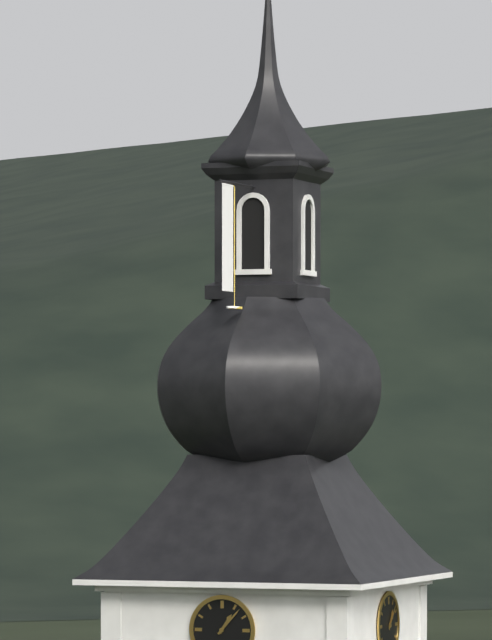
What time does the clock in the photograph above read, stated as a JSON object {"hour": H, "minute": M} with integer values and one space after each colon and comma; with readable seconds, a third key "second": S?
{"hour": 1, "minute": 7}
